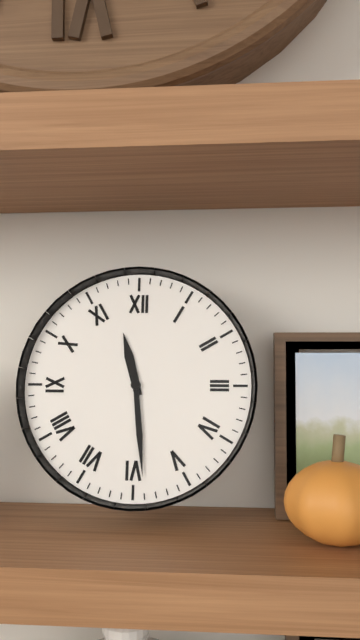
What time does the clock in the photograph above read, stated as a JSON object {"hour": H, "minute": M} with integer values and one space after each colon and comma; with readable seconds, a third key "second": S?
{"hour": 11, "minute": 29}
